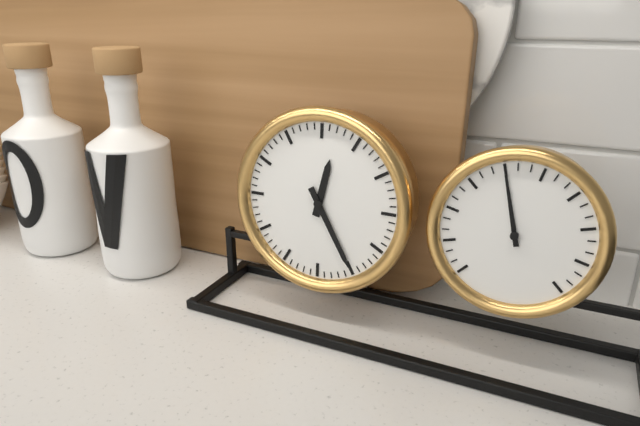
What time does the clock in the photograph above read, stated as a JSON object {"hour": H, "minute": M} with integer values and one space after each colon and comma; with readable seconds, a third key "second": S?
{"hour": 12, "minute": 25}
